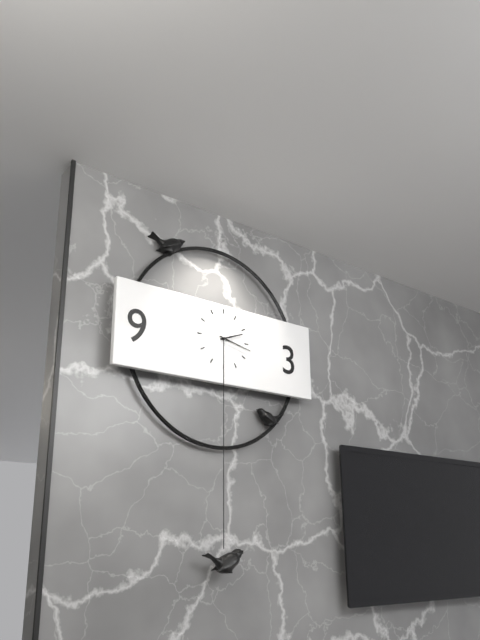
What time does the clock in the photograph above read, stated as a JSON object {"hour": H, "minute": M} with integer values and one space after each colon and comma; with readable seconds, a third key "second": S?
{"hour": 2, "minute": 17}
